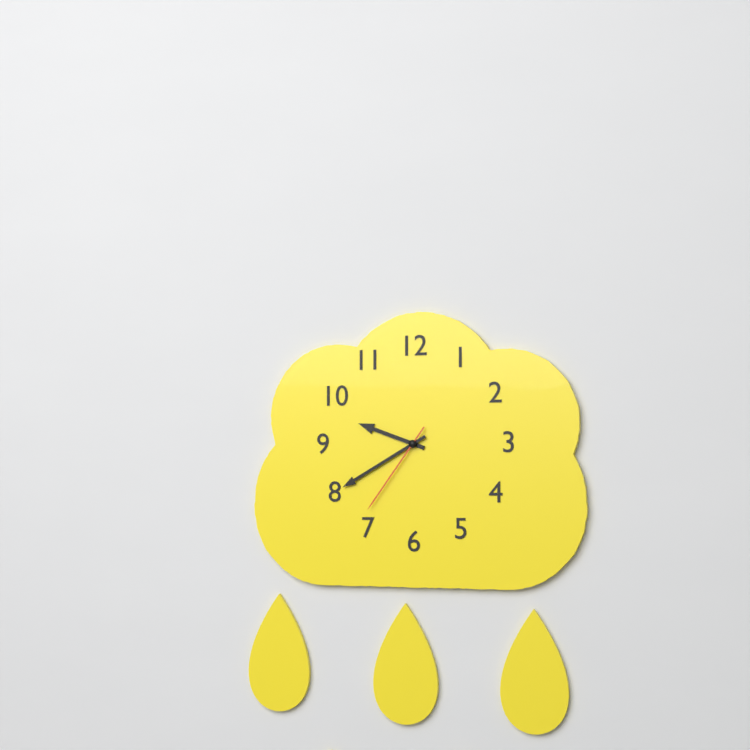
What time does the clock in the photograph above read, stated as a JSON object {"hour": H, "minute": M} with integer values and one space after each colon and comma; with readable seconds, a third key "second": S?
{"hour": 9, "minute": 40, "second": 36}
